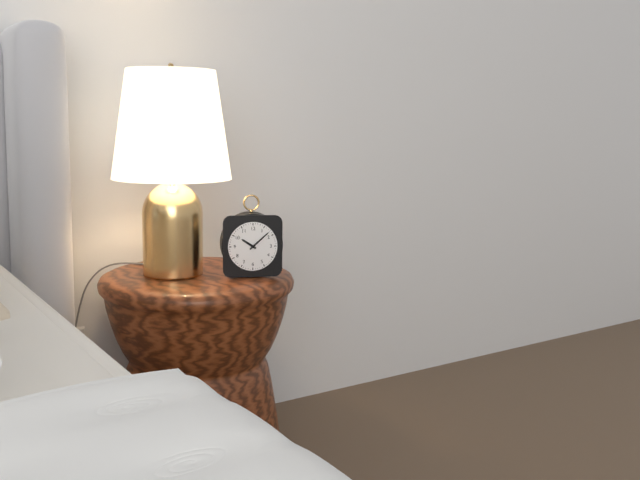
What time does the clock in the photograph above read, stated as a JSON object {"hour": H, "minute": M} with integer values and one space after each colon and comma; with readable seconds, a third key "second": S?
{"hour": 10, "minute": 8}
